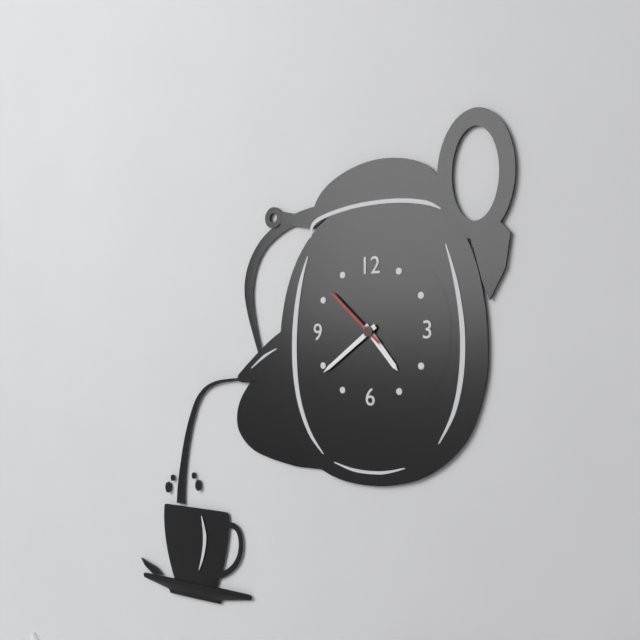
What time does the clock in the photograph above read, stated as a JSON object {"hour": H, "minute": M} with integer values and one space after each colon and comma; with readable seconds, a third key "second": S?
{"hour": 4, "minute": 39, "second": 52}
